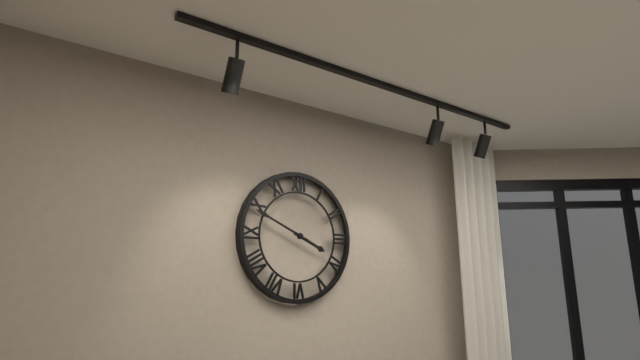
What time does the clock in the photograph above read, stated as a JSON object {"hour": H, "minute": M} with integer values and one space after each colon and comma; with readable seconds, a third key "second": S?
{"hour": 3, "minute": 49}
